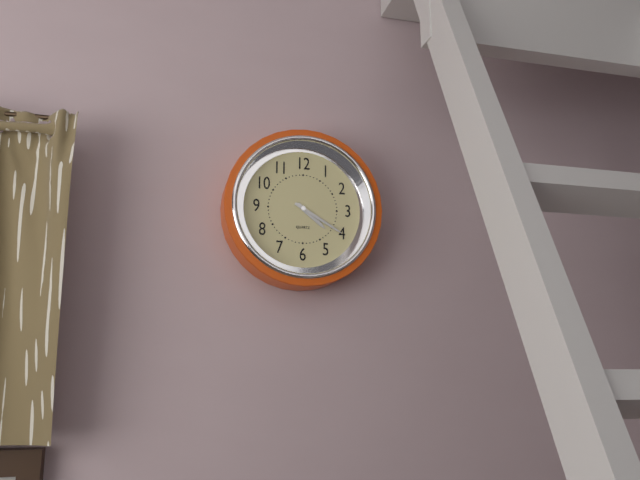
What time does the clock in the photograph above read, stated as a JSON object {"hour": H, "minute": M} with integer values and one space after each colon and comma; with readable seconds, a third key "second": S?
{"hour": 4, "minute": 20}
